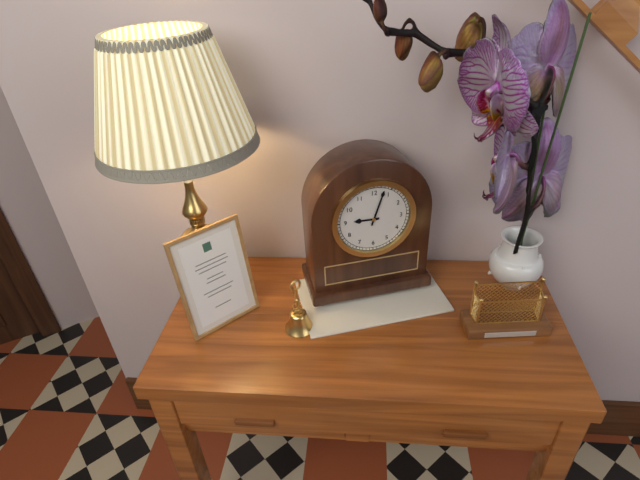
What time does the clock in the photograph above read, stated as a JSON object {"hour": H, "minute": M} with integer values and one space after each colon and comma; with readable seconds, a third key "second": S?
{"hour": 9, "minute": 3}
